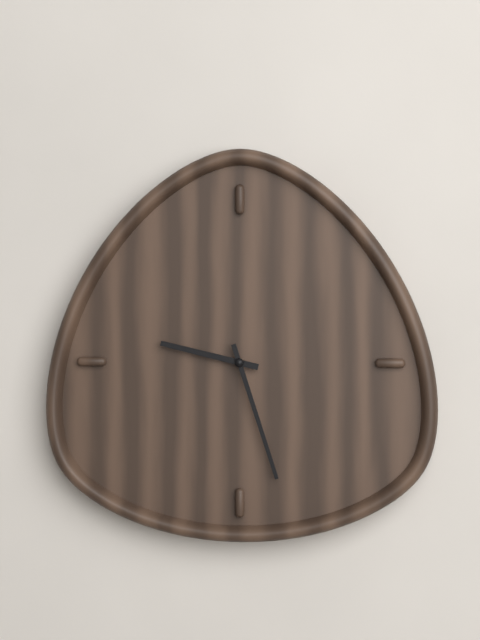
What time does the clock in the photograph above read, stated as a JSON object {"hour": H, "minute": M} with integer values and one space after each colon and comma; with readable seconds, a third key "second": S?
{"hour": 9, "minute": 27}
